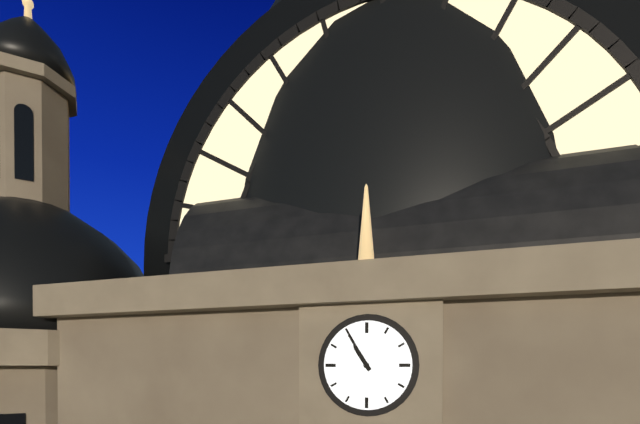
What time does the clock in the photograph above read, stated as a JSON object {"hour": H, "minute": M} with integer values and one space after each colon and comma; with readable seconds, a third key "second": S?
{"hour": 10, "minute": 55}
